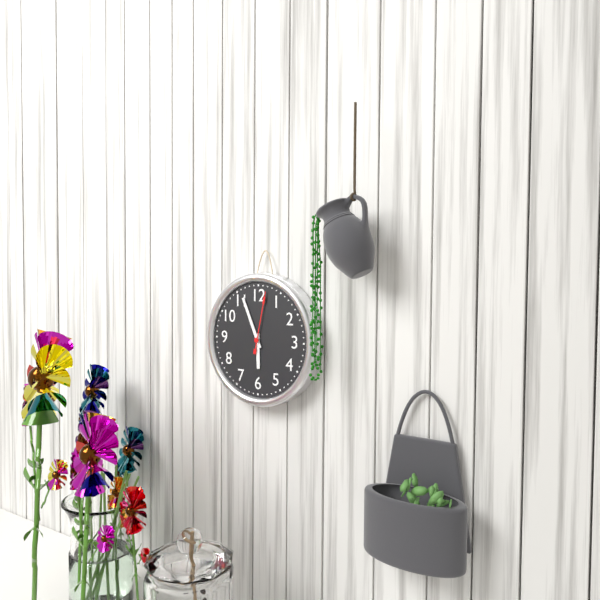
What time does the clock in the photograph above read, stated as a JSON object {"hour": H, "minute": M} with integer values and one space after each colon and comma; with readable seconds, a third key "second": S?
{"hour": 5, "minute": 56, "second": 2}
